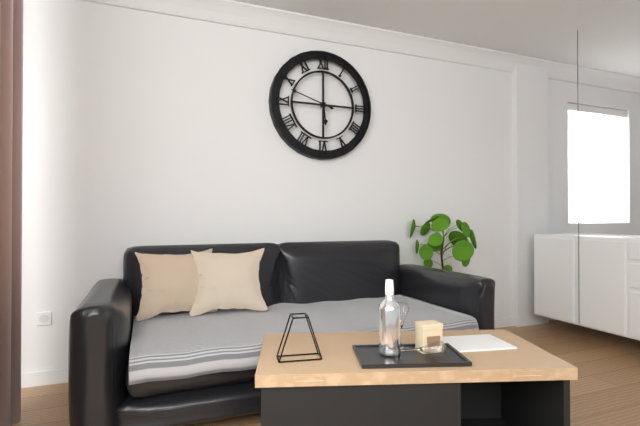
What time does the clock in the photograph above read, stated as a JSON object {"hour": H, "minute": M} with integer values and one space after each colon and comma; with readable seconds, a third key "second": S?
{"hour": 5, "minute": 48}
